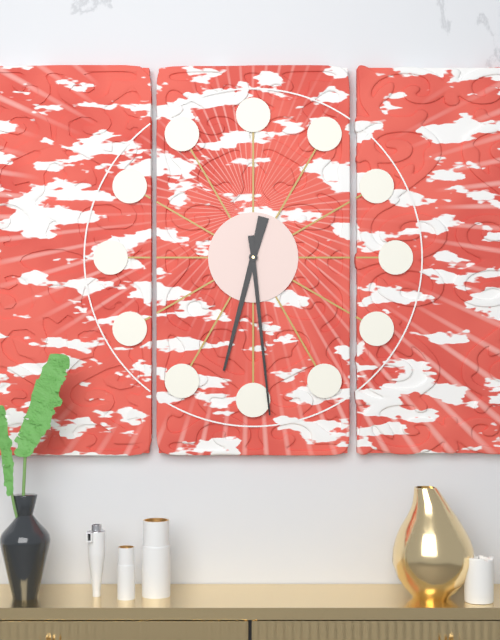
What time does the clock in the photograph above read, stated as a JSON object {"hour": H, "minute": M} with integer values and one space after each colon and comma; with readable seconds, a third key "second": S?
{"hour": 6, "minute": 29}
